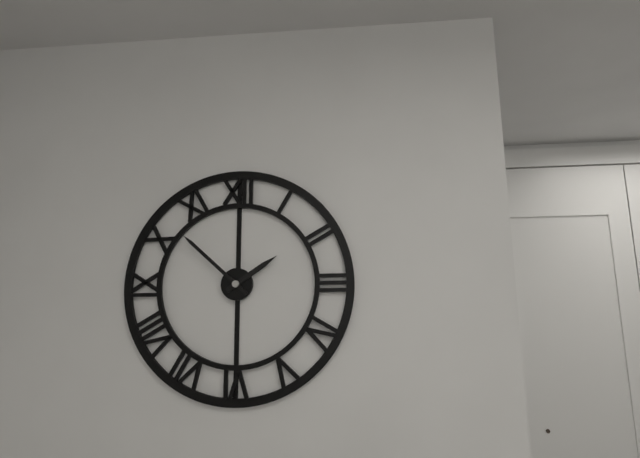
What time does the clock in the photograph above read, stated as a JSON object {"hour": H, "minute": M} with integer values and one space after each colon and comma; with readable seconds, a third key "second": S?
{"hour": 1, "minute": 52}
